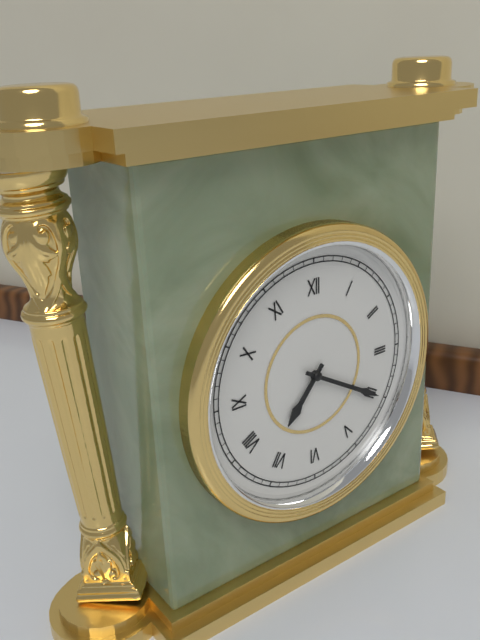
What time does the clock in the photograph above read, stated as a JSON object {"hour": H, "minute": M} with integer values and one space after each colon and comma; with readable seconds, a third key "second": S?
{"hour": 7, "minute": 20}
